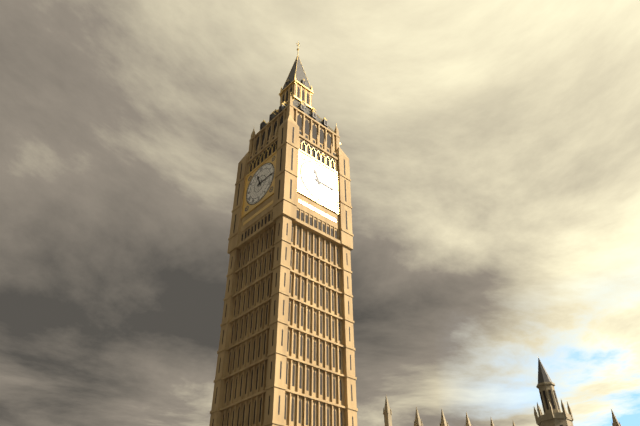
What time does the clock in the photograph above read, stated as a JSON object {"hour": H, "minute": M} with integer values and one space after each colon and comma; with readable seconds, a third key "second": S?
{"hour": 11, "minute": 15}
